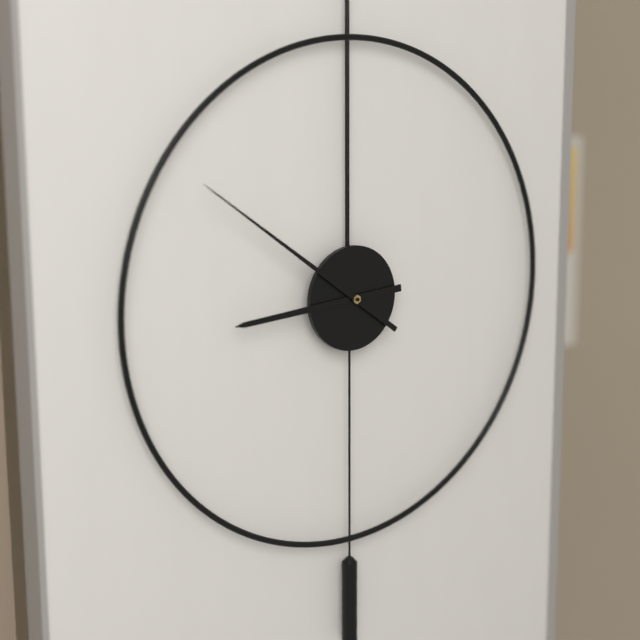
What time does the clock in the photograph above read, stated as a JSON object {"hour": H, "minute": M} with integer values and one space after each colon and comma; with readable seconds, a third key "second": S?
{"hour": 8, "minute": 51}
